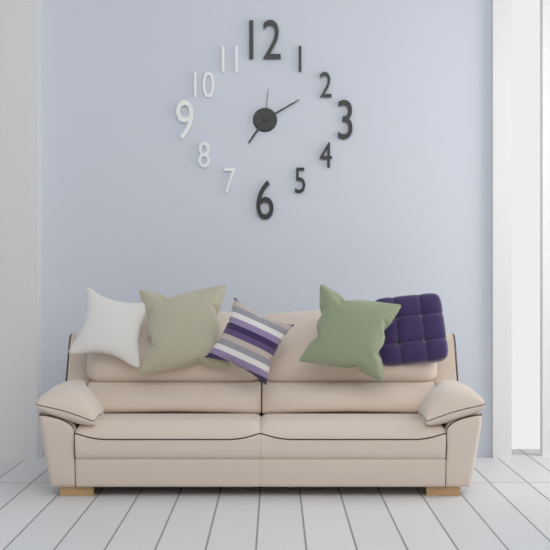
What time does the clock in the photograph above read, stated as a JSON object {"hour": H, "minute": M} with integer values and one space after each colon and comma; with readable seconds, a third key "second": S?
{"hour": 7, "minute": 10}
